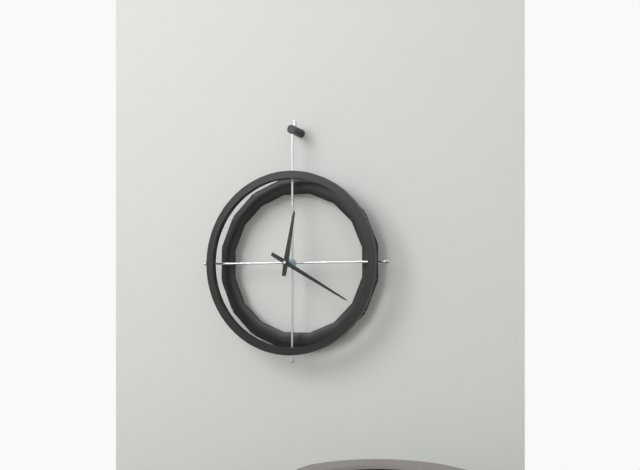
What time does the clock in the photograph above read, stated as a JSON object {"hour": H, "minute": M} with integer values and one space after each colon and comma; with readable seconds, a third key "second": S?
{"hour": 12, "minute": 20}
